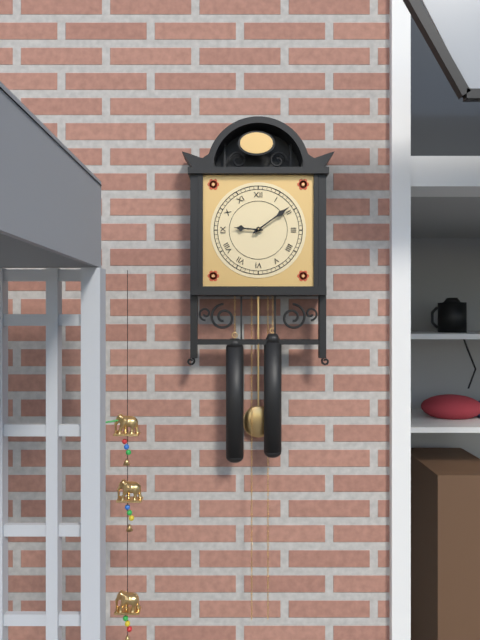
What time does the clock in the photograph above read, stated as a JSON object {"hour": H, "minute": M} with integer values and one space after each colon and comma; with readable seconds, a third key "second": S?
{"hour": 9, "minute": 9}
